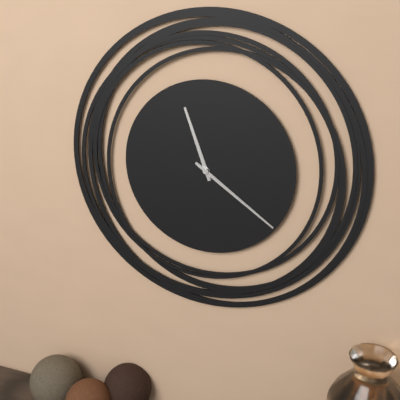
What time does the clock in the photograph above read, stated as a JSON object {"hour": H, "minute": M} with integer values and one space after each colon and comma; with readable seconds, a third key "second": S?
{"hour": 11, "minute": 21}
